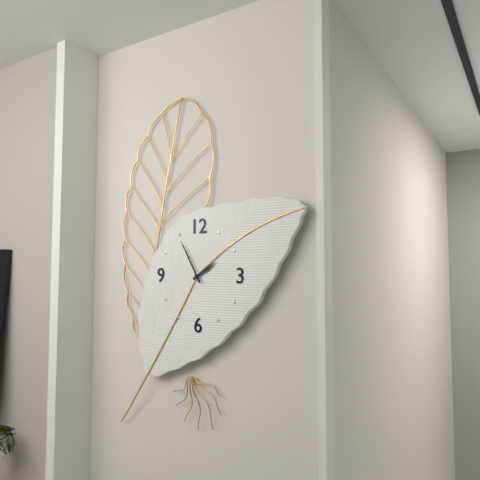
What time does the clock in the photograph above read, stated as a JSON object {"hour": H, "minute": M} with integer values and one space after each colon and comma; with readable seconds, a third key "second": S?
{"hour": 1, "minute": 55}
